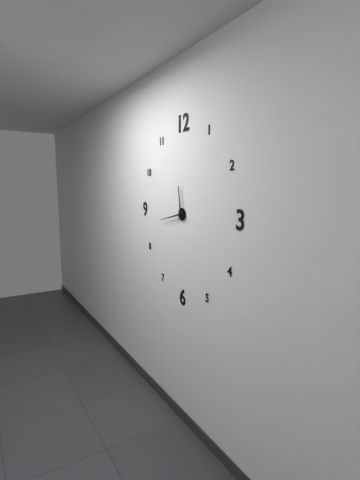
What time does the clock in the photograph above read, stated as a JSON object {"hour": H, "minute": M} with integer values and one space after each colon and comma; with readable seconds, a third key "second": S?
{"hour": 11, "minute": 43}
